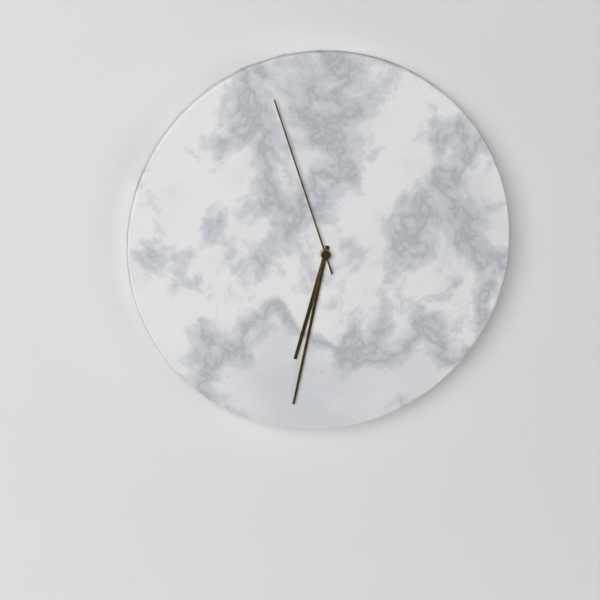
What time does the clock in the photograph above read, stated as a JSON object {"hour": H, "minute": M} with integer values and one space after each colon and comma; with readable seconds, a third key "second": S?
{"hour": 6, "minute": 32, "second": 57}
